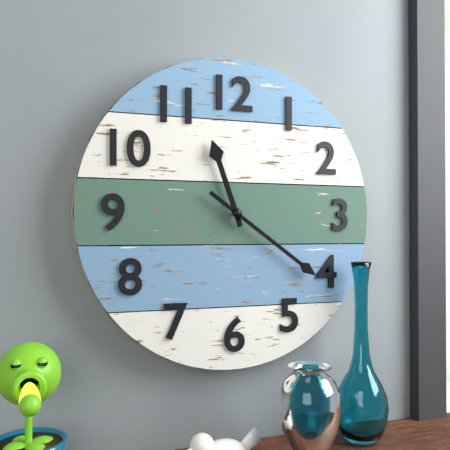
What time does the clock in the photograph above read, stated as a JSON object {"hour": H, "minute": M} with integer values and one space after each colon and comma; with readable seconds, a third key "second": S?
{"hour": 11, "minute": 21}
